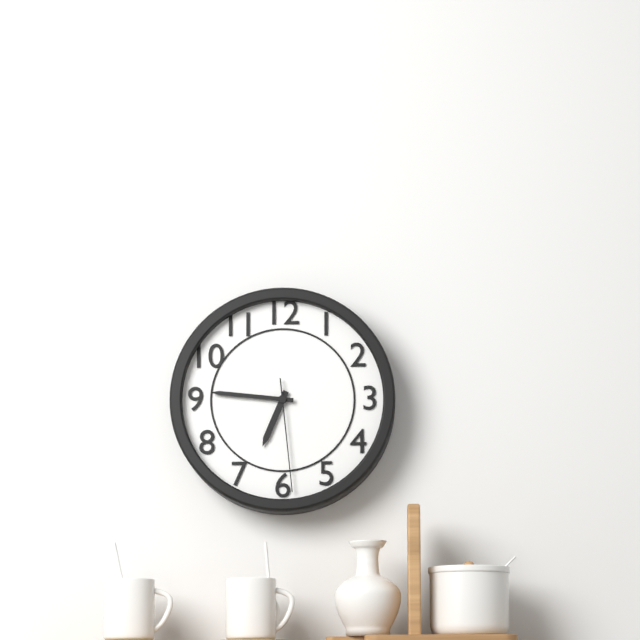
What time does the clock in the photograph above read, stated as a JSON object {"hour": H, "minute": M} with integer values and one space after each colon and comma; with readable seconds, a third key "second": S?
{"hour": 6, "minute": 46, "second": 29}
